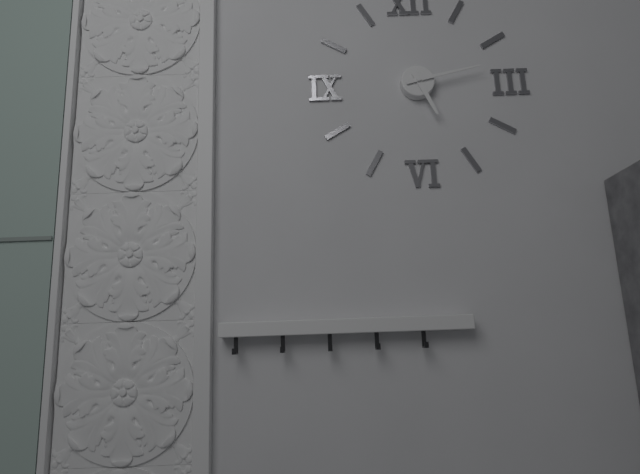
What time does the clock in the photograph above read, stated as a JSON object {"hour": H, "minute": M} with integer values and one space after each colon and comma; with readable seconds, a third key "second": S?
{"hour": 5, "minute": 13}
